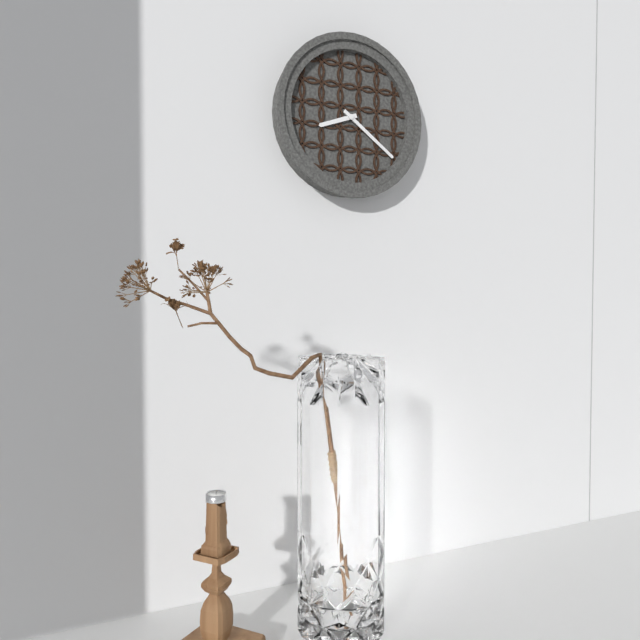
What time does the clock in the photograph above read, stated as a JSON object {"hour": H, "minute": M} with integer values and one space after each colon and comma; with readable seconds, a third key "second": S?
{"hour": 8, "minute": 21}
